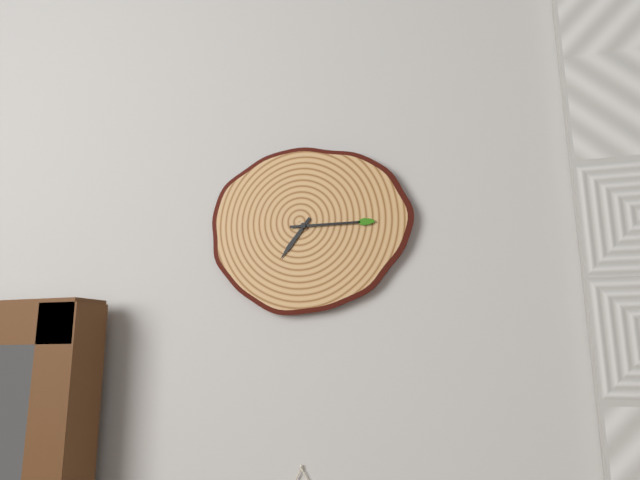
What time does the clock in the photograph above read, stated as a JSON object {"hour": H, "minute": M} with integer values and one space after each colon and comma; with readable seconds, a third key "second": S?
{"hour": 7, "minute": 15}
